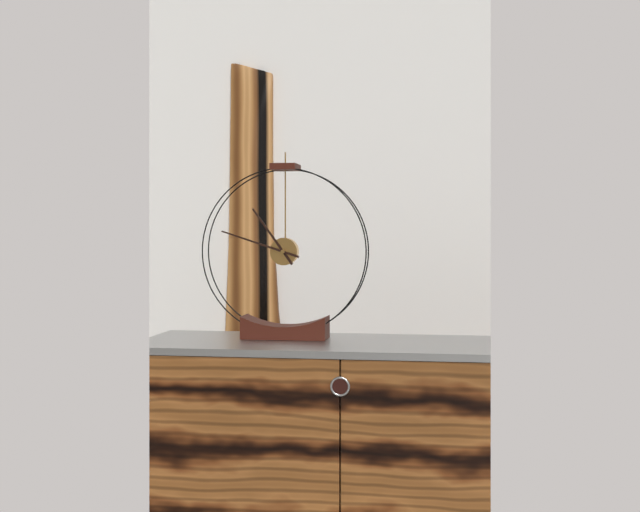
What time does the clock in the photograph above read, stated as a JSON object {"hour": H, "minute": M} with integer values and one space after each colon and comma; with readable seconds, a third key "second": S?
{"hour": 10, "minute": 48}
